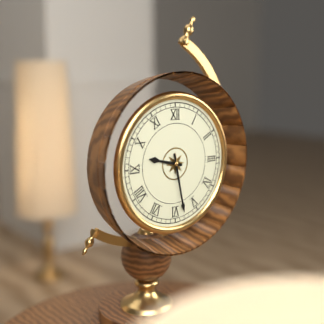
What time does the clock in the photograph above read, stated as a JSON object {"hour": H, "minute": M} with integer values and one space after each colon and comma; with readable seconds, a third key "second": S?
{"hour": 9, "minute": 28}
